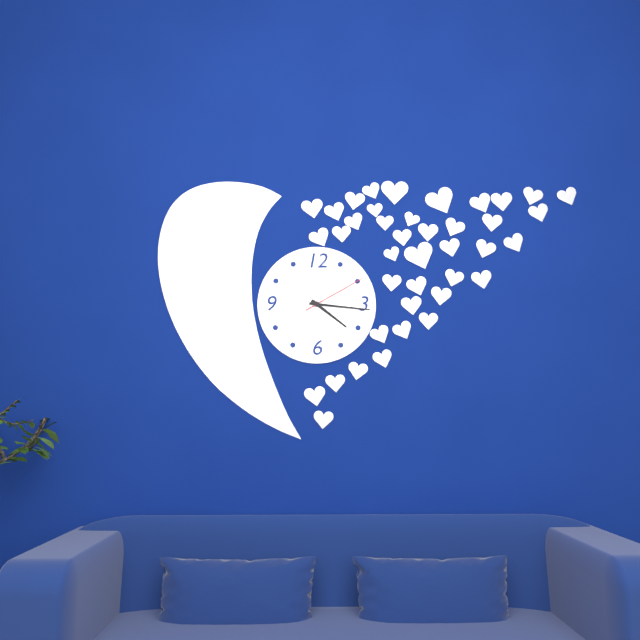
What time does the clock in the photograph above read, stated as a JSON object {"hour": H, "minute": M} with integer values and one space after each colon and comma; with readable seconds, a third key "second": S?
{"hour": 4, "minute": 16, "second": 10}
